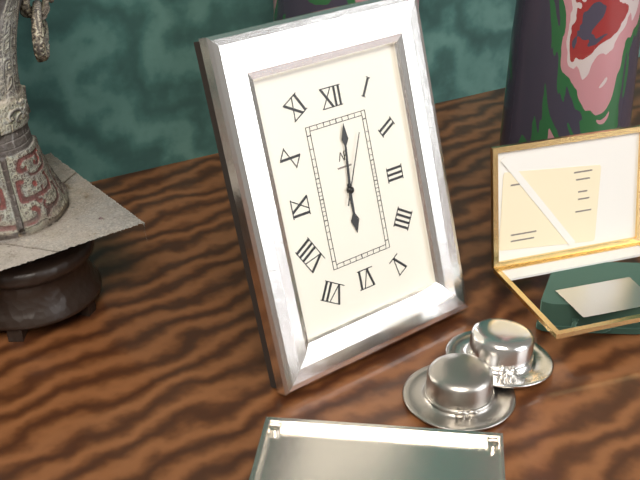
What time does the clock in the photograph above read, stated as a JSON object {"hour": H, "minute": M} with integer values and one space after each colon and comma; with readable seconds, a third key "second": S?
{"hour": 6, "minute": 1, "second": 4}
